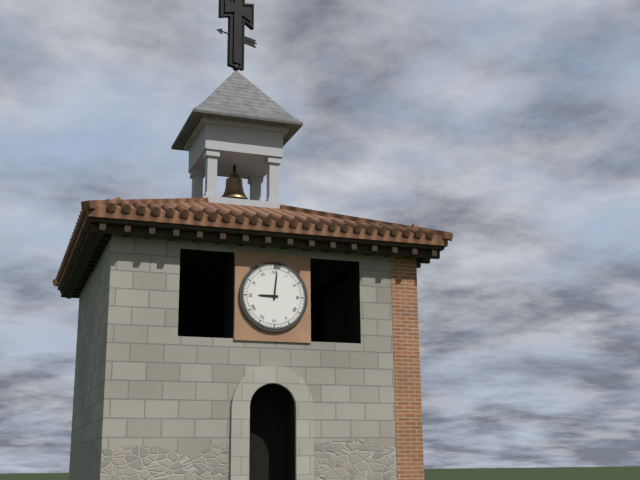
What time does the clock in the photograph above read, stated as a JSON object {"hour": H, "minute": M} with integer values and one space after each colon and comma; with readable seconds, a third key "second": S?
{"hour": 9, "minute": 1}
